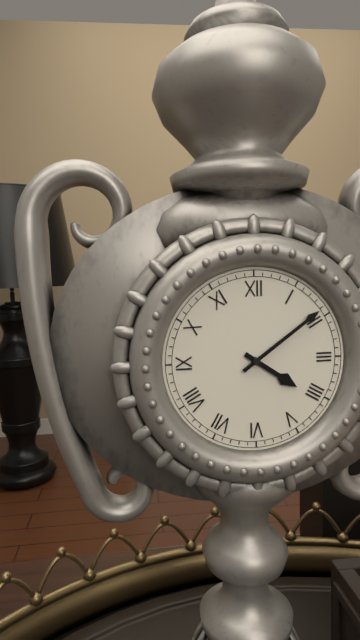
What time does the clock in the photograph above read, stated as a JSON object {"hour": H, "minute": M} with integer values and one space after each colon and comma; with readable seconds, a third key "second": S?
{"hour": 4, "minute": 9}
